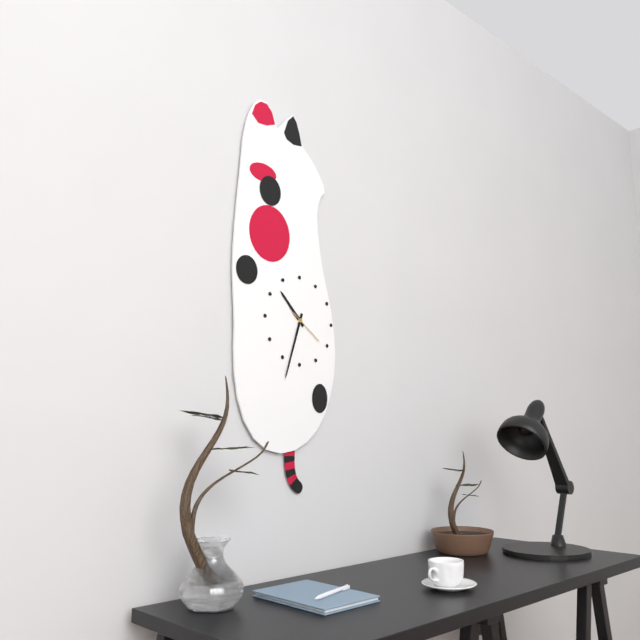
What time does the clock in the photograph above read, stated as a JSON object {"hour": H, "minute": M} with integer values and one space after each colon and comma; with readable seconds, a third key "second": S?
{"hour": 10, "minute": 33}
